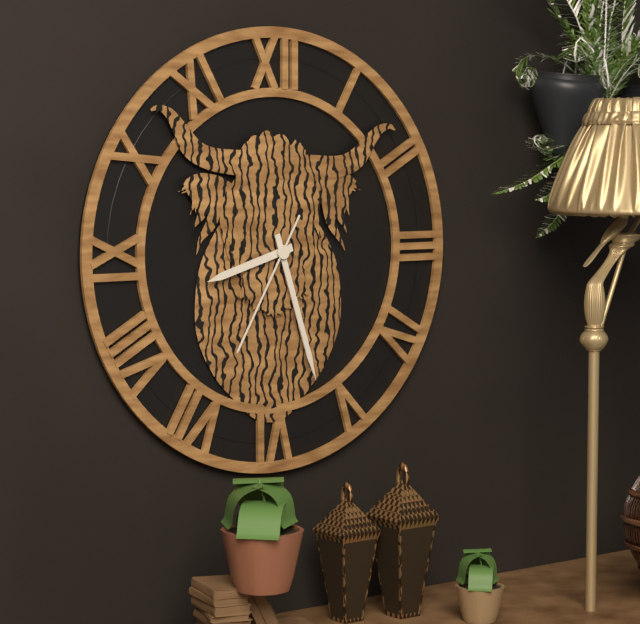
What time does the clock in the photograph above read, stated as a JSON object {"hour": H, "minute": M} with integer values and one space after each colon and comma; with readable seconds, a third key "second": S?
{"hour": 8, "minute": 27, "second": 35}
